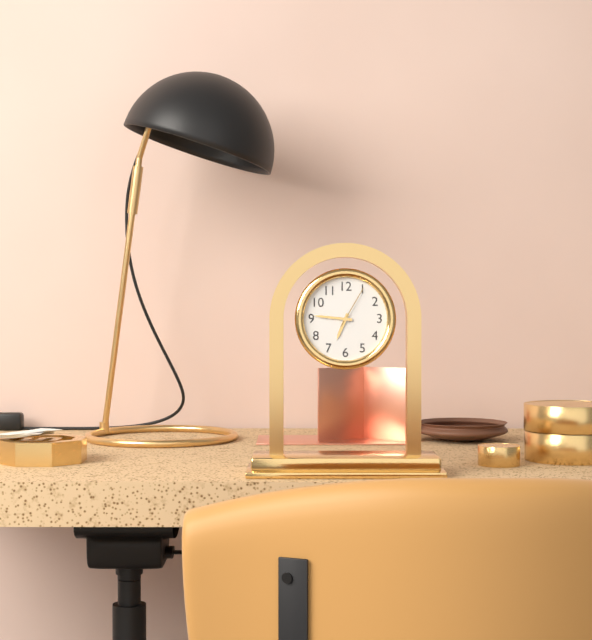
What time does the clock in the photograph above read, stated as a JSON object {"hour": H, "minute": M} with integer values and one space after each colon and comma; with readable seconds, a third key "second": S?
{"hour": 6, "minute": 46}
